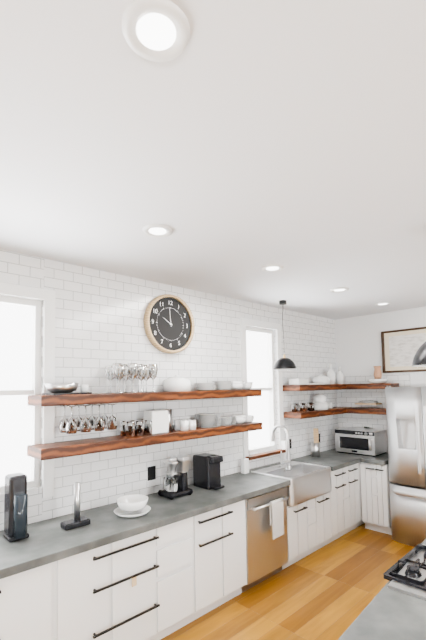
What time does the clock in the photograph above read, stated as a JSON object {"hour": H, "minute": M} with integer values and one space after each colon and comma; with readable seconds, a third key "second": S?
{"hour": 9, "minute": 59}
